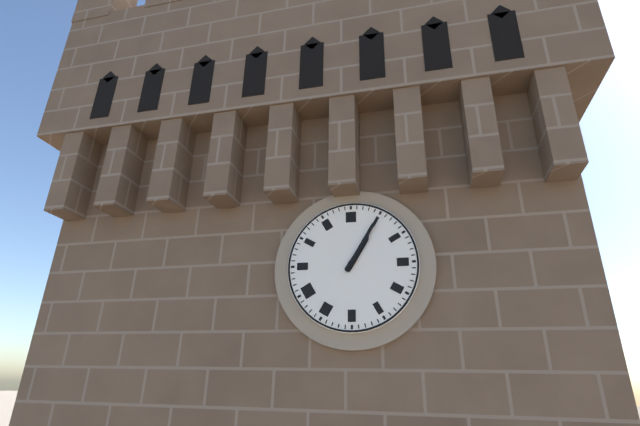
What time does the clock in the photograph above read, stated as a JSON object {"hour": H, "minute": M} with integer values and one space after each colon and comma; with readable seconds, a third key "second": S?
{"hour": 1, "minute": 5}
